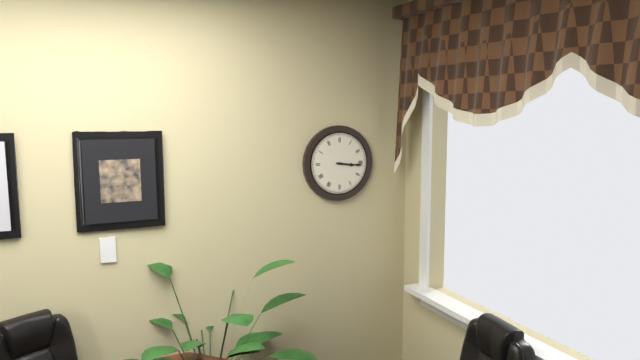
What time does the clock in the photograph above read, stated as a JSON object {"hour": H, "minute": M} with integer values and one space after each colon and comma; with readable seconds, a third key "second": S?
{"hour": 3, "minute": 16}
